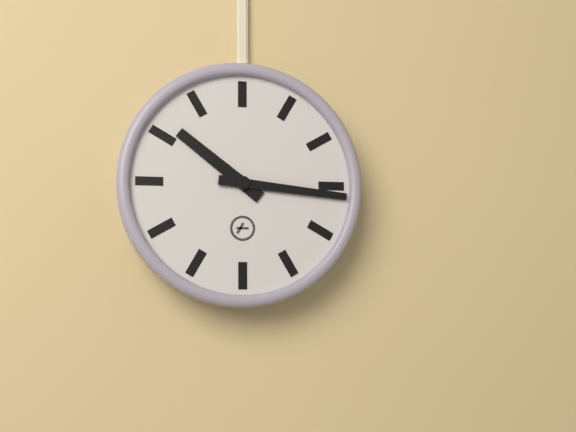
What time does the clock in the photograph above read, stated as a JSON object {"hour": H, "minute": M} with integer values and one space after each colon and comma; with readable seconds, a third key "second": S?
{"hour": 10, "minute": 16}
